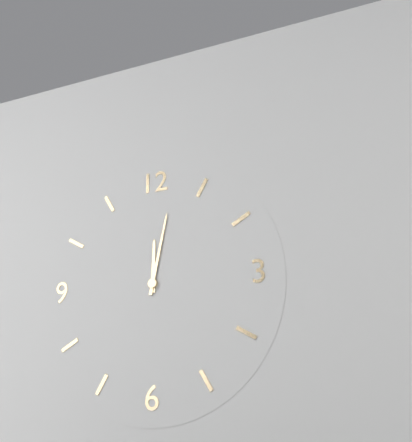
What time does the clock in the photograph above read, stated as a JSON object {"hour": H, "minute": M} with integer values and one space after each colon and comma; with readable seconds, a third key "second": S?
{"hour": 12, "minute": 2}
